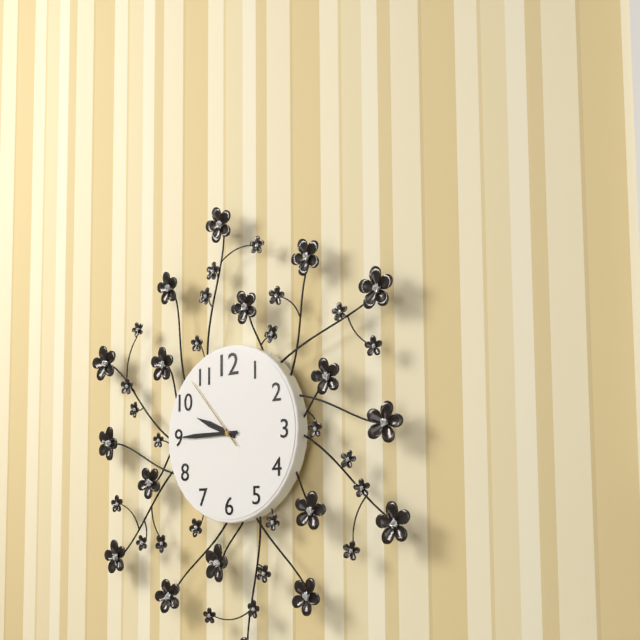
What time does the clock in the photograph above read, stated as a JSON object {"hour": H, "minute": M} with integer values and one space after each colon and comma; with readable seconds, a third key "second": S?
{"hour": 9, "minute": 45, "second": 53}
